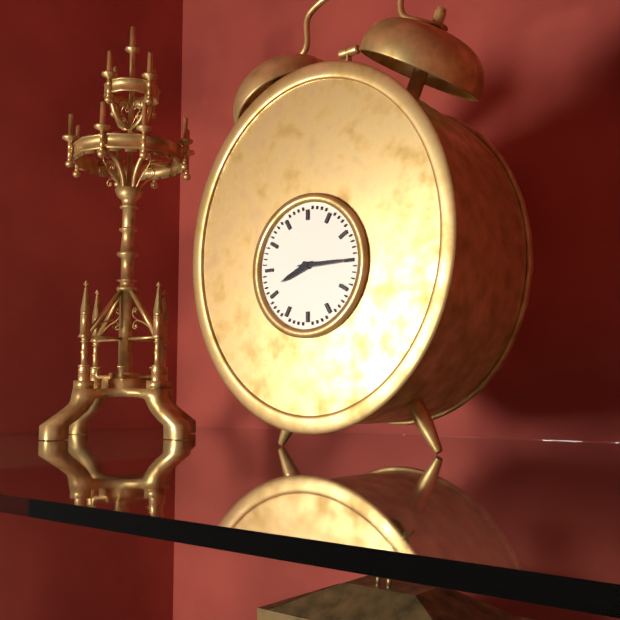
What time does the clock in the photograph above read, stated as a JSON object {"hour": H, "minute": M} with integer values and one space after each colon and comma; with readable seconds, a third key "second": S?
{"hour": 8, "minute": 15}
